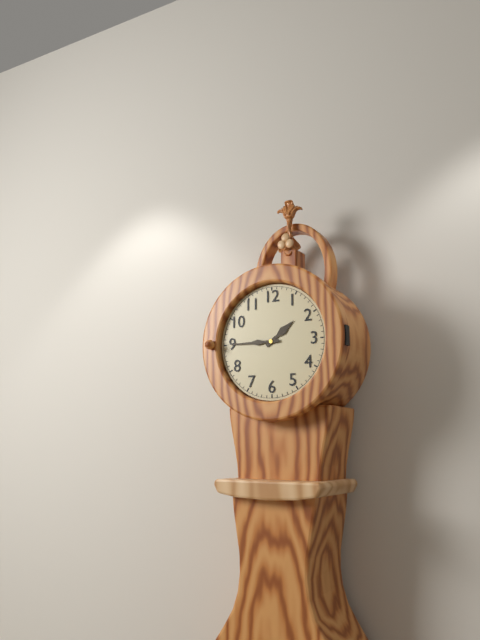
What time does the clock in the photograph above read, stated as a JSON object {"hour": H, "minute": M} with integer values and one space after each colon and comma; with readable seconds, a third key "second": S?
{"hour": 1, "minute": 45}
